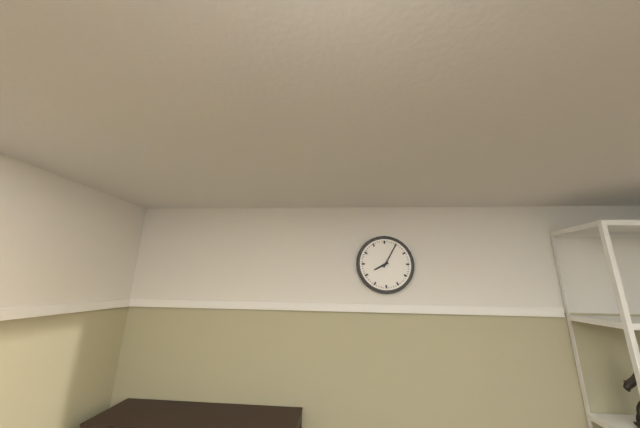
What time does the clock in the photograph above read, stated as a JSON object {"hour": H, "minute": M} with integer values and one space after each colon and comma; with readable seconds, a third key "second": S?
{"hour": 8, "minute": 5}
